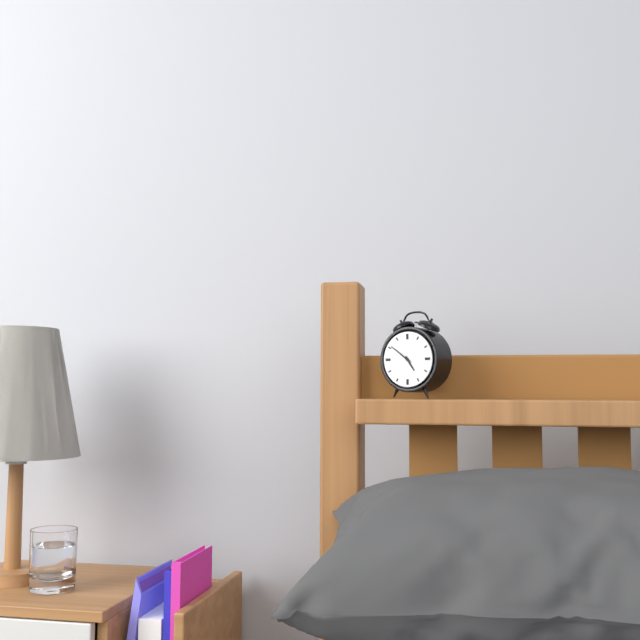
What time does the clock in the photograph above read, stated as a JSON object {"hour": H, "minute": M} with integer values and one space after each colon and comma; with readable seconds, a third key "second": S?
{"hour": 4, "minute": 51}
